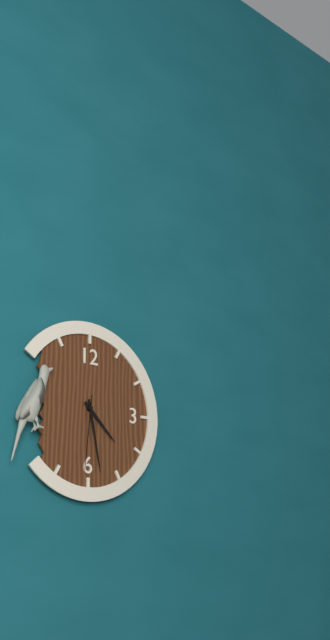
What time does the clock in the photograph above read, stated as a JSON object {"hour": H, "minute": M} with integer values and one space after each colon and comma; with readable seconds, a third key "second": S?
{"hour": 4, "minute": 28, "second": 31}
